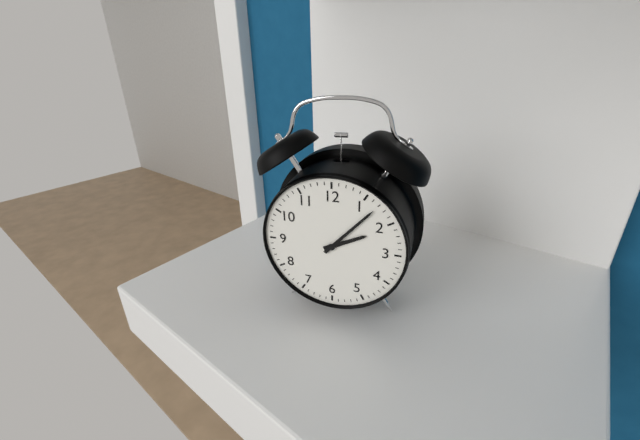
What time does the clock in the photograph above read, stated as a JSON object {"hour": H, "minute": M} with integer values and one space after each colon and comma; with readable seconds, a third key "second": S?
{"hour": 2, "minute": 7}
